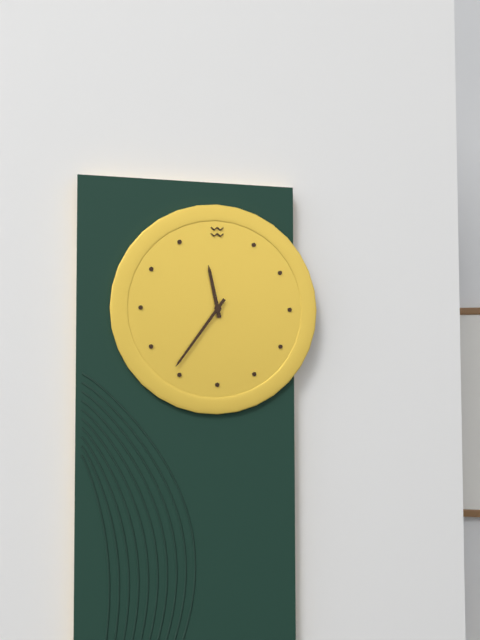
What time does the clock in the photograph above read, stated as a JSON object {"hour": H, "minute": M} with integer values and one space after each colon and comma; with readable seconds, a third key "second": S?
{"hour": 11, "minute": 36}
